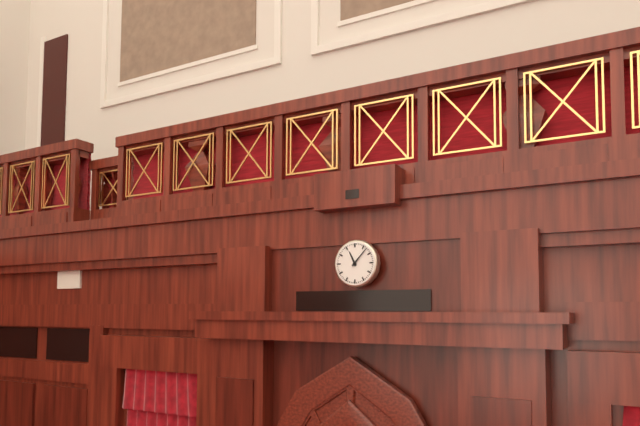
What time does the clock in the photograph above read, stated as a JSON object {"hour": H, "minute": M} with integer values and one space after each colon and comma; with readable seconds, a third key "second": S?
{"hour": 11, "minute": 7}
